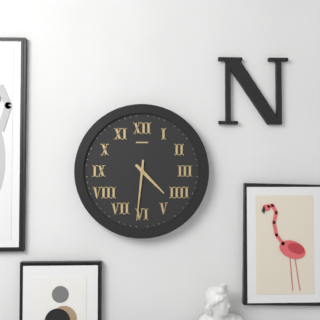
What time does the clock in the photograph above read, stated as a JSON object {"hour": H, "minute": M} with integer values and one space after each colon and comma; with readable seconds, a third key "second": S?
{"hour": 4, "minute": 31}
